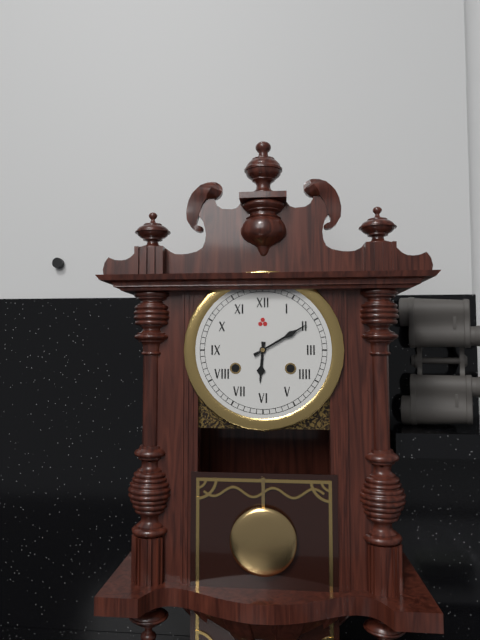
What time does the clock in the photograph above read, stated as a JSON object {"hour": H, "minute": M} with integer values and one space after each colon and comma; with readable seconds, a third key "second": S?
{"hour": 6, "minute": 10}
